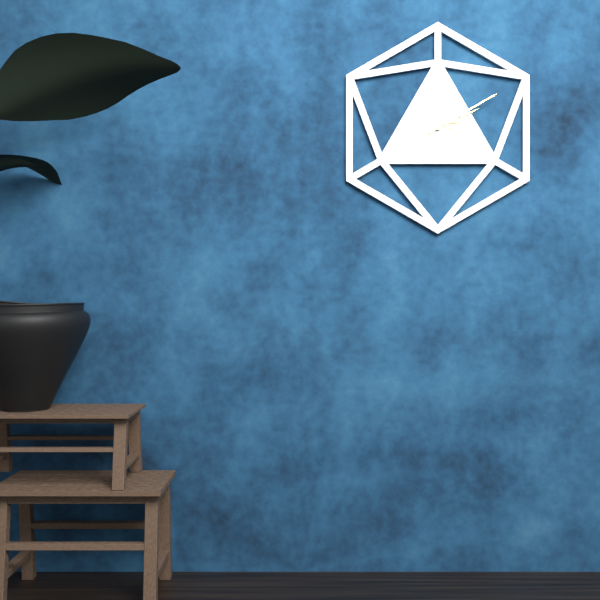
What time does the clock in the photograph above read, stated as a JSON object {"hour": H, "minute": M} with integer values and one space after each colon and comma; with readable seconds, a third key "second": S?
{"hour": 2, "minute": 10, "second": 41}
